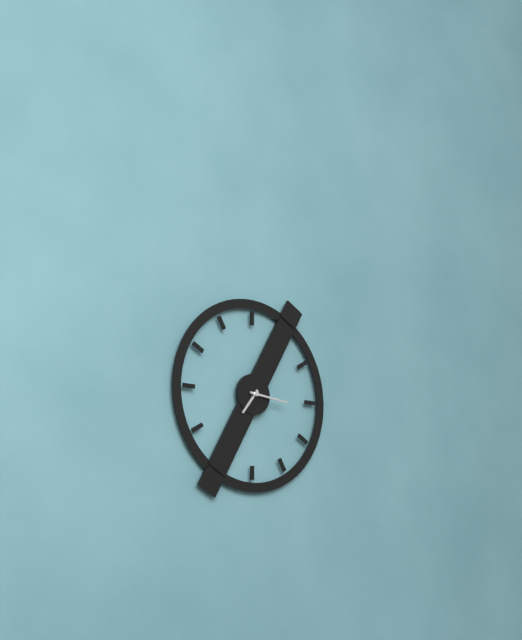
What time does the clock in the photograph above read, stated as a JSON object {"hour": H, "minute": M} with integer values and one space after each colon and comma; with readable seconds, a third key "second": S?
{"hour": 7, "minute": 16}
